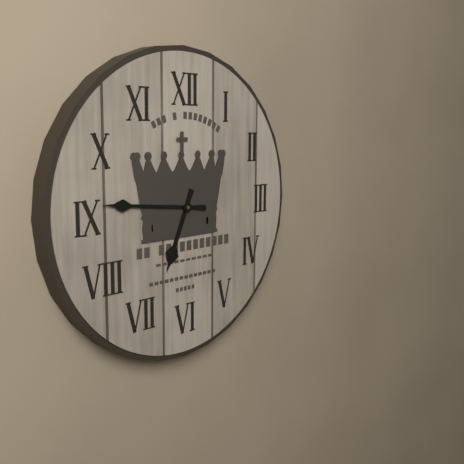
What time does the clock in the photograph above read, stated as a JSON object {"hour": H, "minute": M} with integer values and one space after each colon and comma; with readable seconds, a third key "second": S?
{"hour": 6, "minute": 46}
